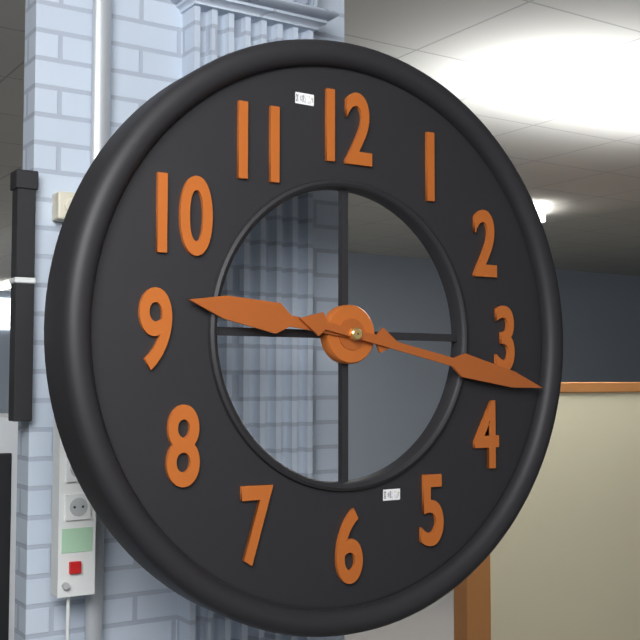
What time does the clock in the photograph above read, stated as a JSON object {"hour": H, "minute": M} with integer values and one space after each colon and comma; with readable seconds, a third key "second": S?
{"hour": 9, "minute": 17}
